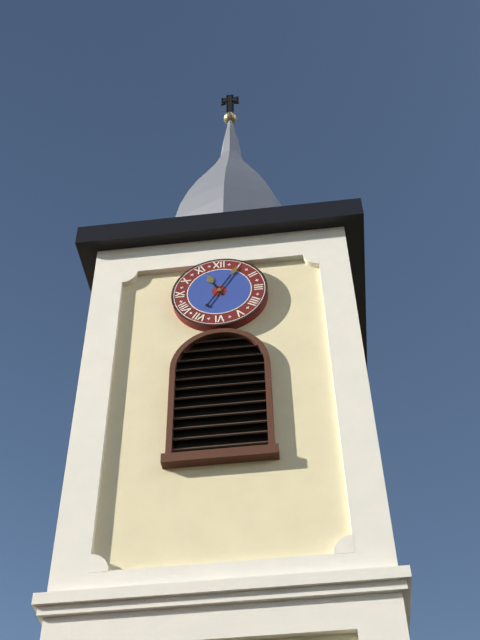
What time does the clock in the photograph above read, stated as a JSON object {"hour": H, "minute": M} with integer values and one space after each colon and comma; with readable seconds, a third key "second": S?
{"hour": 11, "minute": 5}
